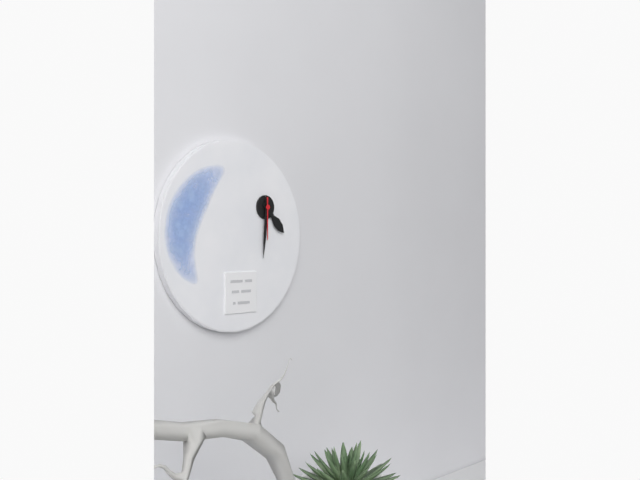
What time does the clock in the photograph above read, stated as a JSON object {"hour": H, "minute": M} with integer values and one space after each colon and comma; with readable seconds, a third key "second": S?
{"hour": 4, "minute": 31}
